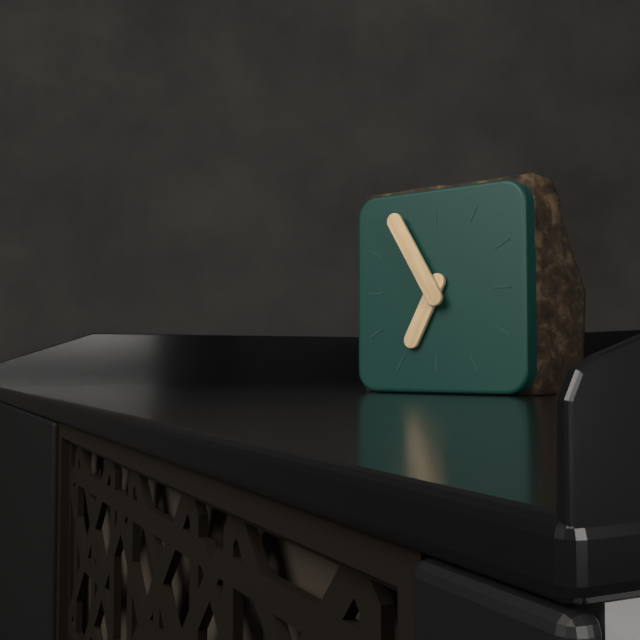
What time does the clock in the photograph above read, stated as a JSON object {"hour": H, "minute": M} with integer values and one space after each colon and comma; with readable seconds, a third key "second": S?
{"hour": 6, "minute": 55}
